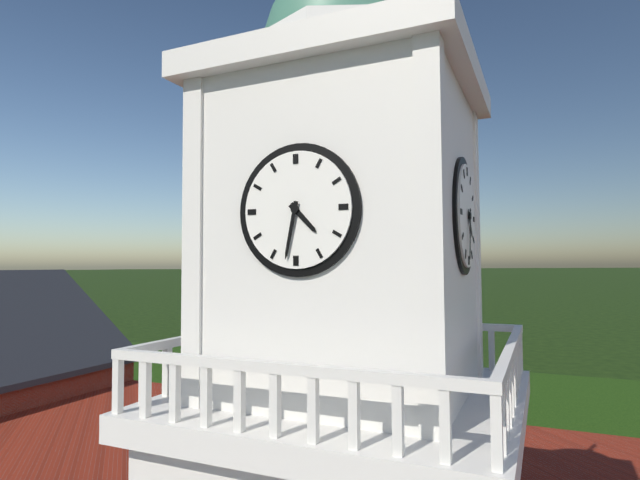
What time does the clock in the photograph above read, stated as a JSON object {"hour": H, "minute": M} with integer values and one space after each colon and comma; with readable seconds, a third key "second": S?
{"hour": 4, "minute": 32}
